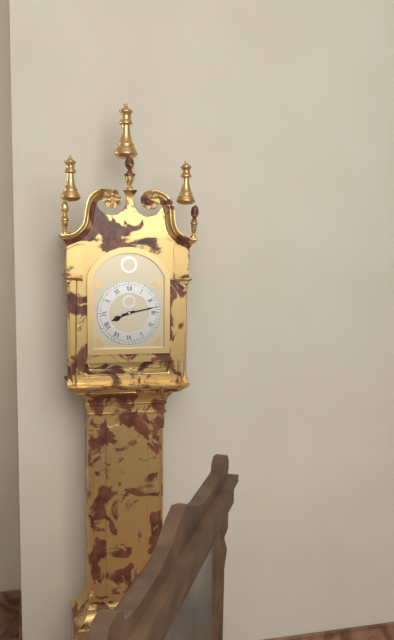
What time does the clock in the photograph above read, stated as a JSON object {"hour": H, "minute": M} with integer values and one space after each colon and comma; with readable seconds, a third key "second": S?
{"hour": 8, "minute": 13}
